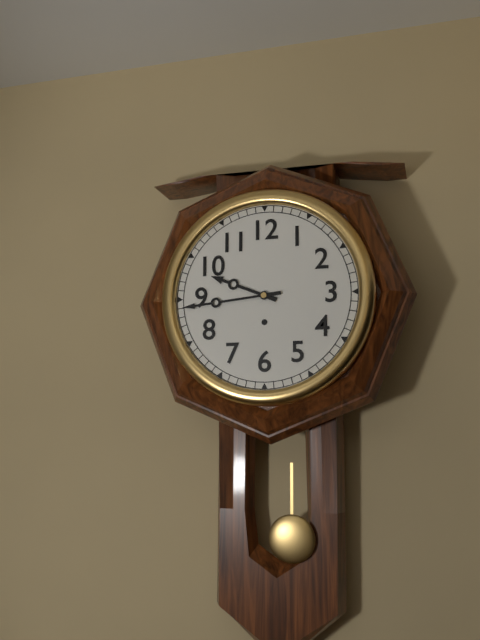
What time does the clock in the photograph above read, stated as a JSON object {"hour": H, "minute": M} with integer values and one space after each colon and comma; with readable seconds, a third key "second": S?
{"hour": 9, "minute": 44}
